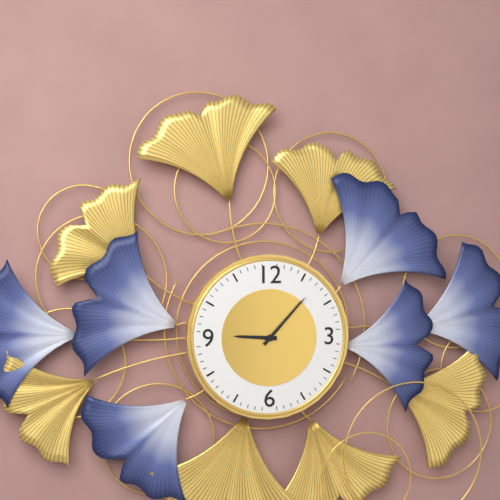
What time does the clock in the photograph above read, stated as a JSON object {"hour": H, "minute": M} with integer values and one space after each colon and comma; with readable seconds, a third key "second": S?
{"hour": 9, "minute": 7}
